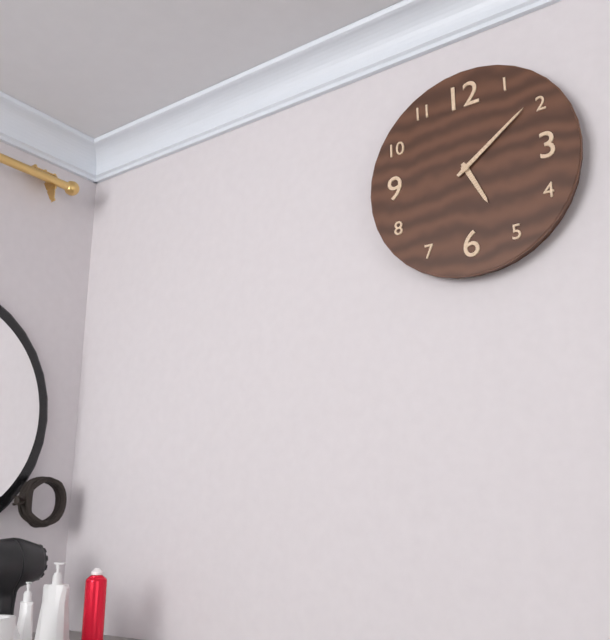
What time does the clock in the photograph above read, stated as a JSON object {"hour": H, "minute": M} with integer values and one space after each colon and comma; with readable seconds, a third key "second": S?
{"hour": 5, "minute": 9}
